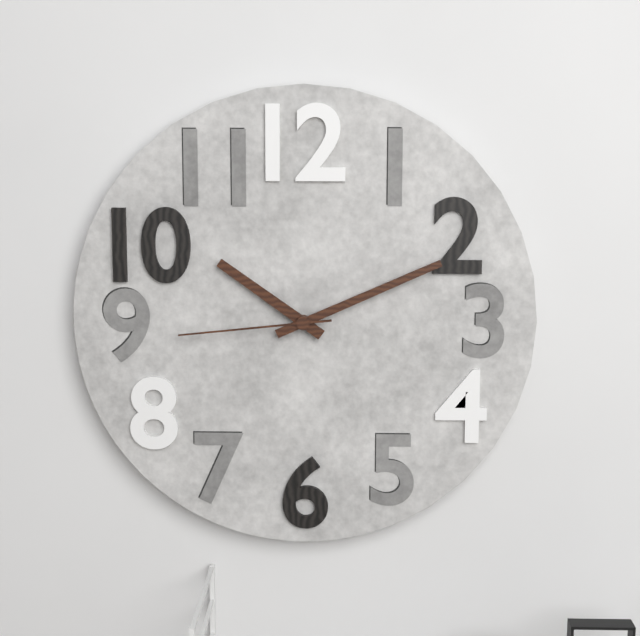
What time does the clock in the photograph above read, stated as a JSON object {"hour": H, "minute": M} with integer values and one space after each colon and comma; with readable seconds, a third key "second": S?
{"hour": 10, "minute": 11, "second": 44}
